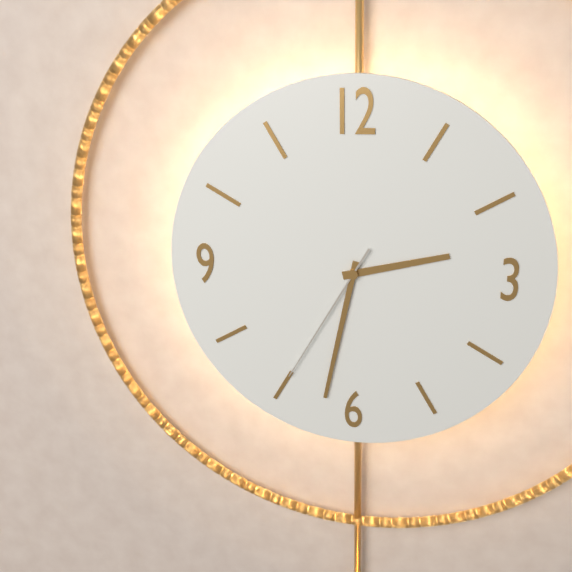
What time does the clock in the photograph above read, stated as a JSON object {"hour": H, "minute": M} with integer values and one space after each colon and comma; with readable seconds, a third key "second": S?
{"hour": 2, "minute": 32, "second": 35}
